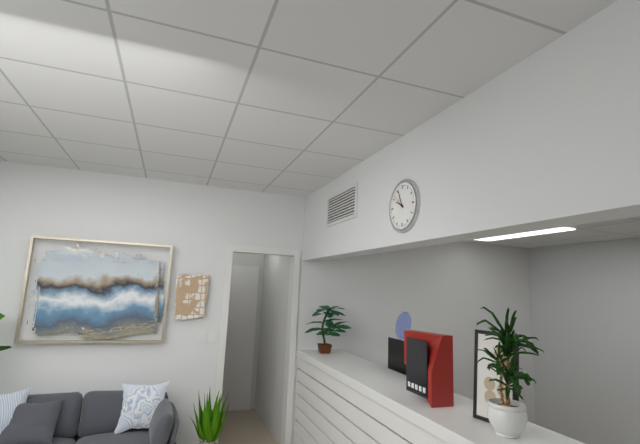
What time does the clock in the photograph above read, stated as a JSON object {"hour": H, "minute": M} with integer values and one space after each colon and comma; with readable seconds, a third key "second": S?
{"hour": 9, "minute": 56}
